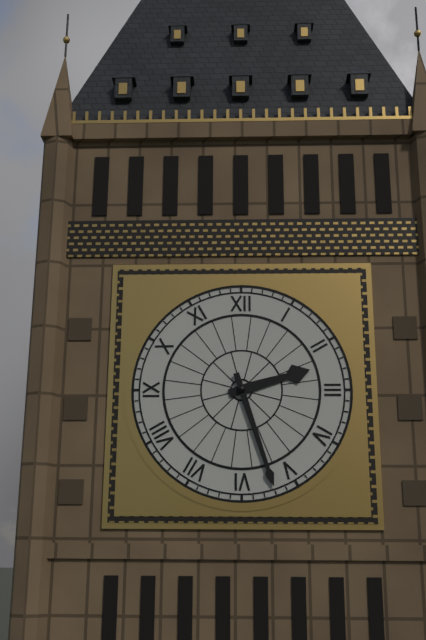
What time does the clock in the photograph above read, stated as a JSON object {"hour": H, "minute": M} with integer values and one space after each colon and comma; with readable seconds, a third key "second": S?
{"hour": 2, "minute": 27}
